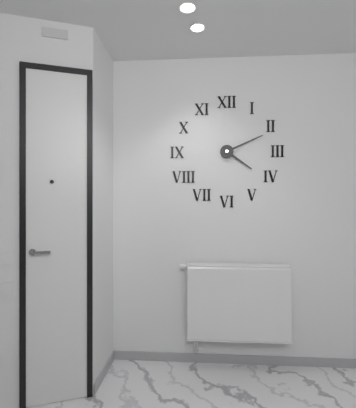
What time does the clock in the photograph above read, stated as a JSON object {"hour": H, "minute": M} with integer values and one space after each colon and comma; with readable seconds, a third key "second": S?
{"hour": 4, "minute": 11}
